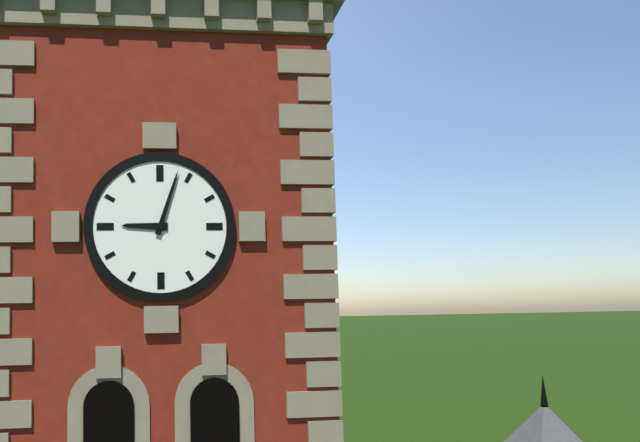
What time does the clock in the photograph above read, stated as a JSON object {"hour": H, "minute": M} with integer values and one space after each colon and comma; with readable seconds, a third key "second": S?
{"hour": 9, "minute": 3}
